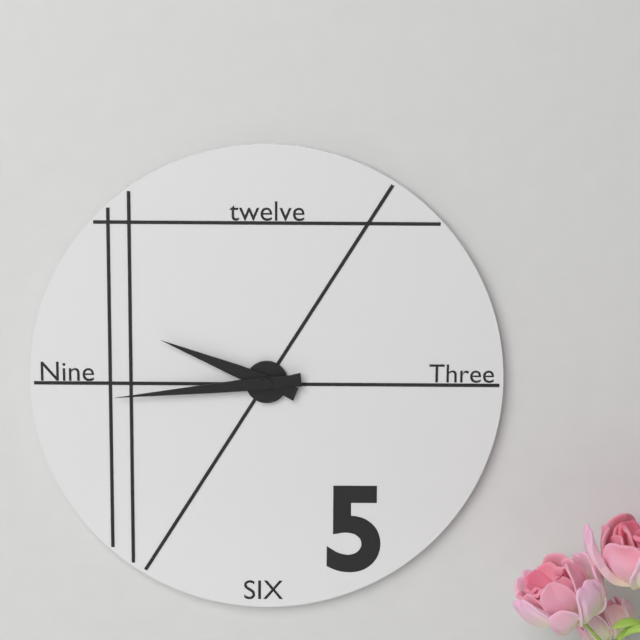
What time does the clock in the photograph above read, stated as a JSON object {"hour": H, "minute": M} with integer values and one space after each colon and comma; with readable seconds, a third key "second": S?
{"hour": 9, "minute": 44}
